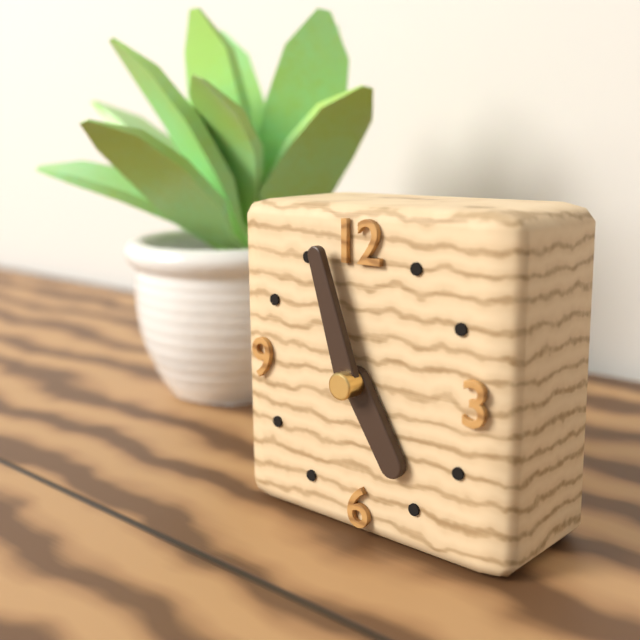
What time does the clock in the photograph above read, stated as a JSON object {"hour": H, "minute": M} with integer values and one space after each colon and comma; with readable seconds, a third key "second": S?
{"hour": 4, "minute": 57}
